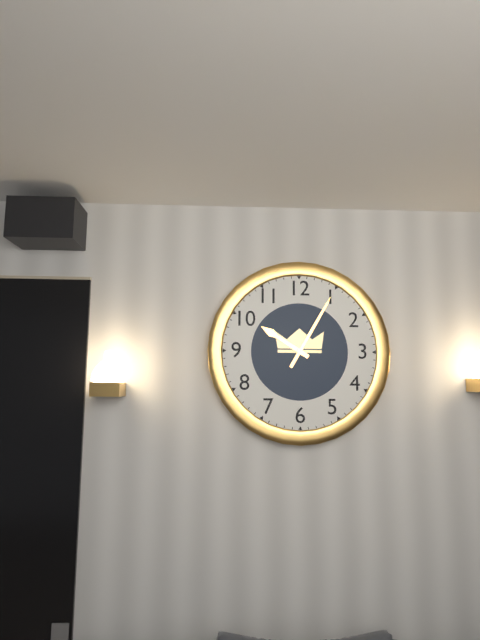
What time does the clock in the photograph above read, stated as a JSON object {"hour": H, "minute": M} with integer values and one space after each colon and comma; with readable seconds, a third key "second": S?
{"hour": 10, "minute": 5}
